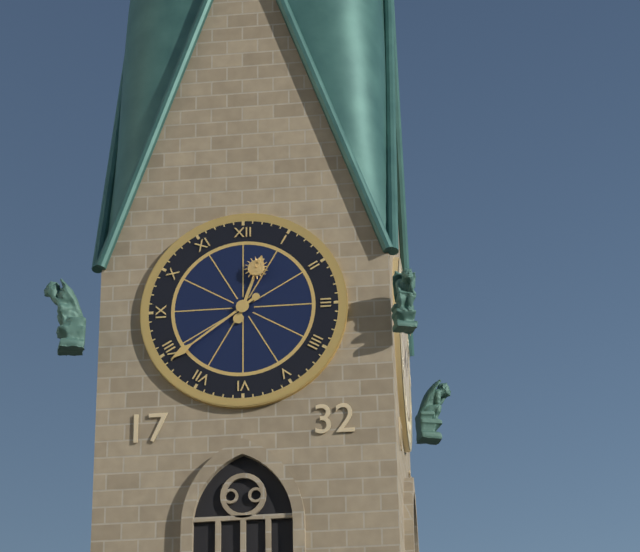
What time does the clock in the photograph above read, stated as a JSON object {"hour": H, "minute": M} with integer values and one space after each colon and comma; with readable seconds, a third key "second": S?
{"hour": 12, "minute": 39}
